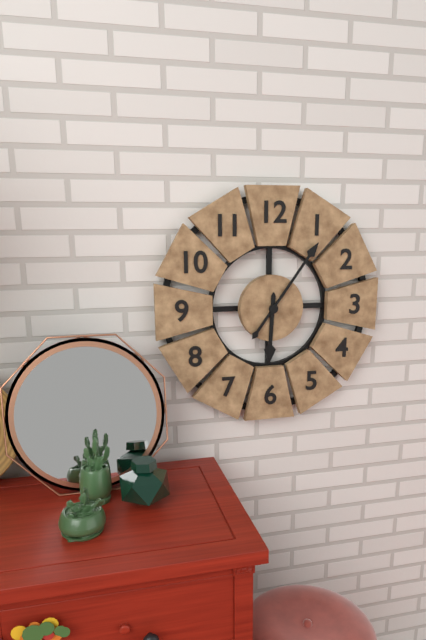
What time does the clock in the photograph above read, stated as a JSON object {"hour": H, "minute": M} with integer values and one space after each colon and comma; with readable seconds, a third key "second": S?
{"hour": 6, "minute": 6}
